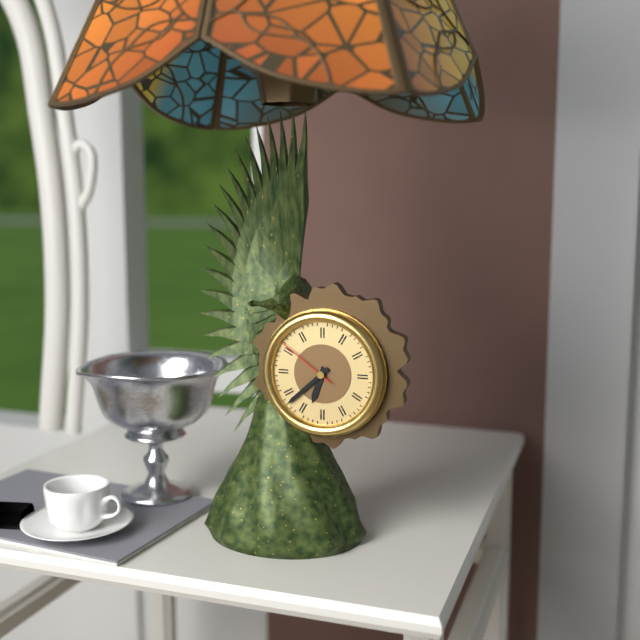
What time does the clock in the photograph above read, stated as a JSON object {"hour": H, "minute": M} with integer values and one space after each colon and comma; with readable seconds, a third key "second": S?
{"hour": 6, "minute": 38, "second": 51}
